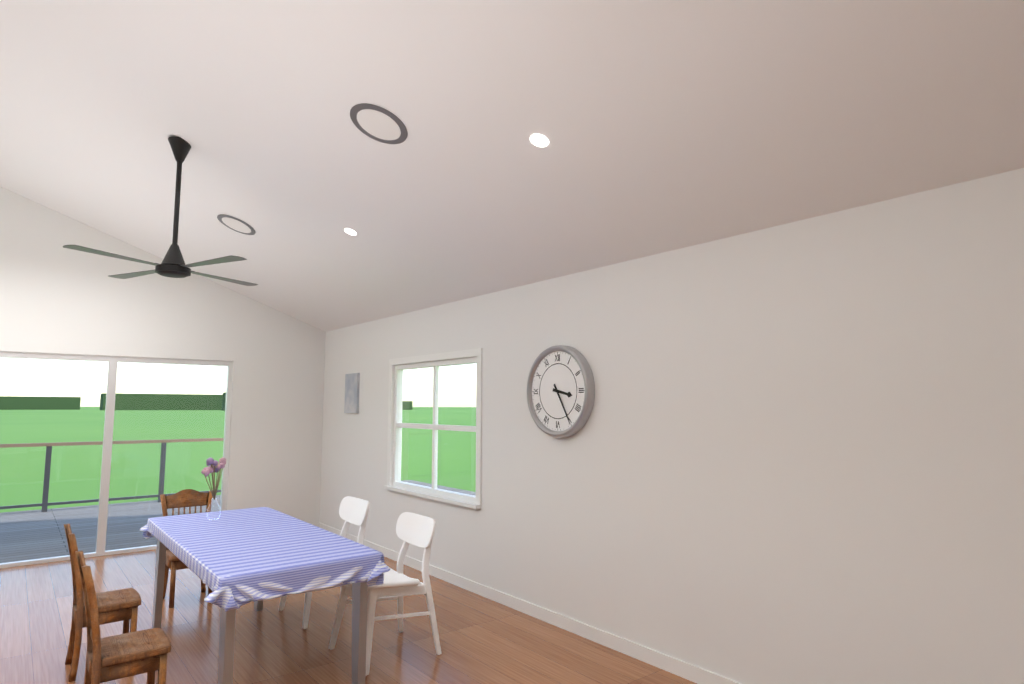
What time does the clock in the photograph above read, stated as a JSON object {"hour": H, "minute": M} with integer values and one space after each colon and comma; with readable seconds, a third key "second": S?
{"hour": 3, "minute": 25}
